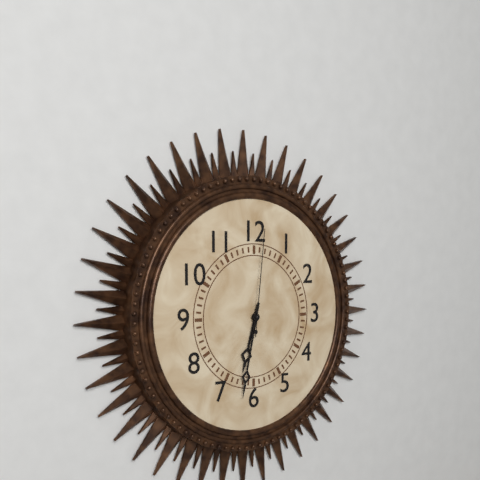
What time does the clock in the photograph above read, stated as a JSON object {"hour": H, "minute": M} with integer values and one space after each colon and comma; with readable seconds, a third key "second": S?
{"hour": 6, "minute": 32, "second": 1}
